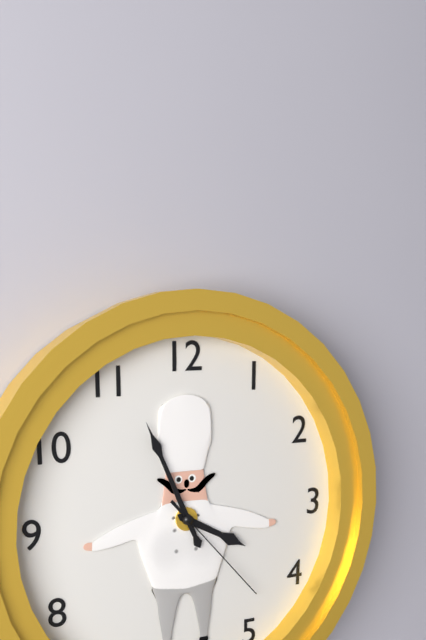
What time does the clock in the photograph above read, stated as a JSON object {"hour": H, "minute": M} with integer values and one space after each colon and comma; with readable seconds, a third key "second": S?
{"hour": 3, "minute": 56, "second": 23}
